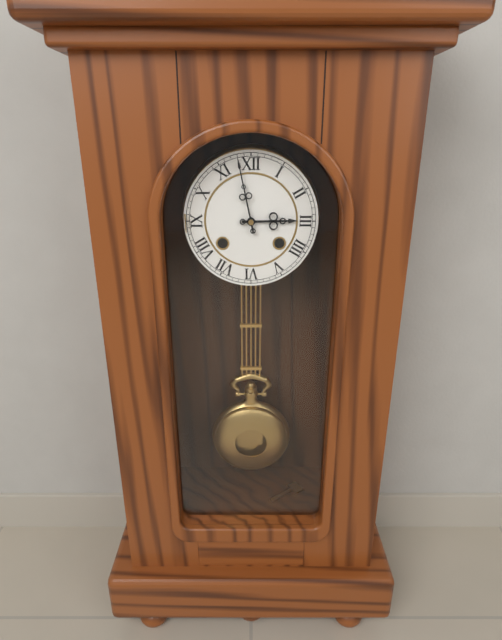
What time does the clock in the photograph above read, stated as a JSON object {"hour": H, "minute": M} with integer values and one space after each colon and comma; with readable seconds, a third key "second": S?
{"hour": 2, "minute": 58}
